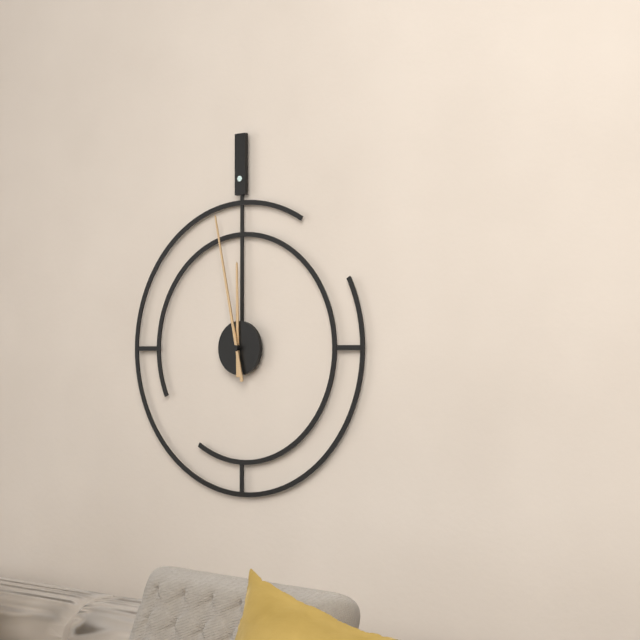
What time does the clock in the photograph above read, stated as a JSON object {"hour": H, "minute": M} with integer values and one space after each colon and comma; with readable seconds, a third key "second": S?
{"hour": 11, "minute": 58}
